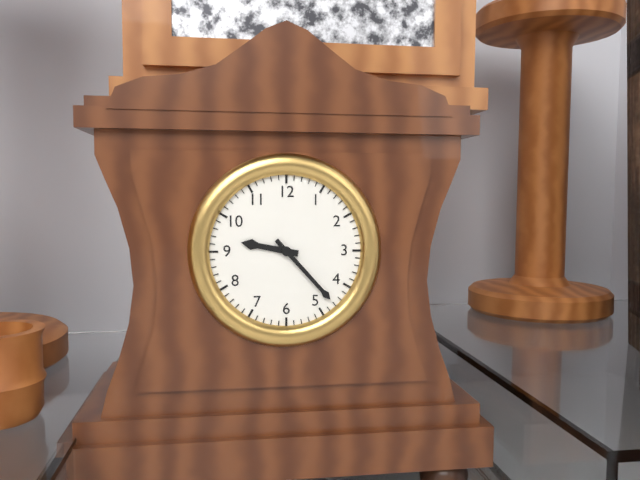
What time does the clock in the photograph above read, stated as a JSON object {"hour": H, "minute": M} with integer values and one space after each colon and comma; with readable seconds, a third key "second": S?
{"hour": 9, "minute": 23}
